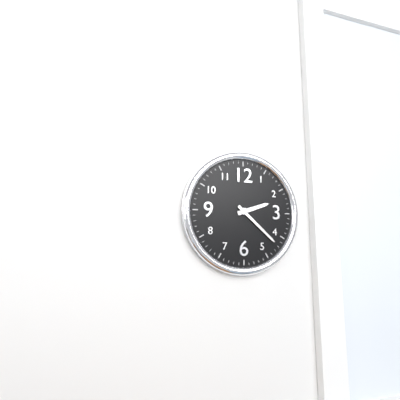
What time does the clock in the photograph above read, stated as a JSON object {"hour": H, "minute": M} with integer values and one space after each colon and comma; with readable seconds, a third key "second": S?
{"hour": 2, "minute": 22}
